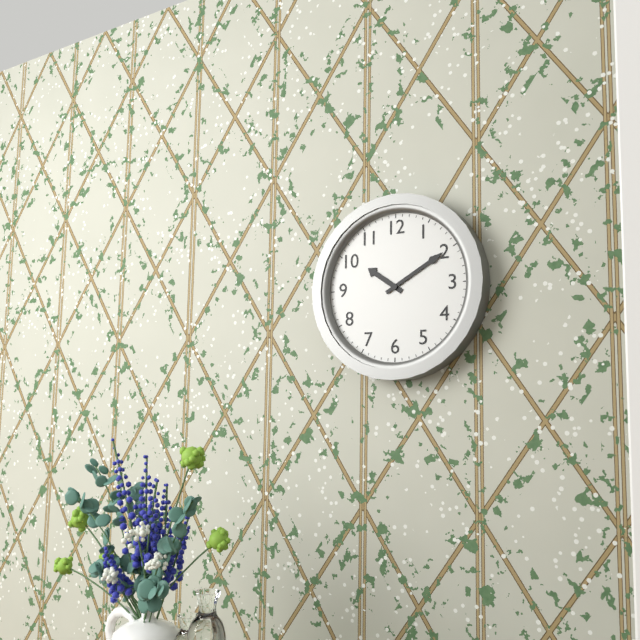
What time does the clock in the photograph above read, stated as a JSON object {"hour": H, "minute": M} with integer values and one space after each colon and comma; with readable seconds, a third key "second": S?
{"hour": 10, "minute": 10}
